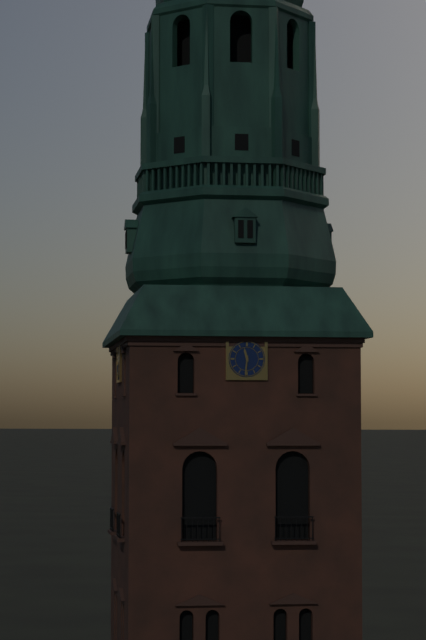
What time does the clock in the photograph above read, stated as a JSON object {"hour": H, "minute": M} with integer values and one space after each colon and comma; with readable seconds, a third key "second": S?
{"hour": 11, "minute": 31}
